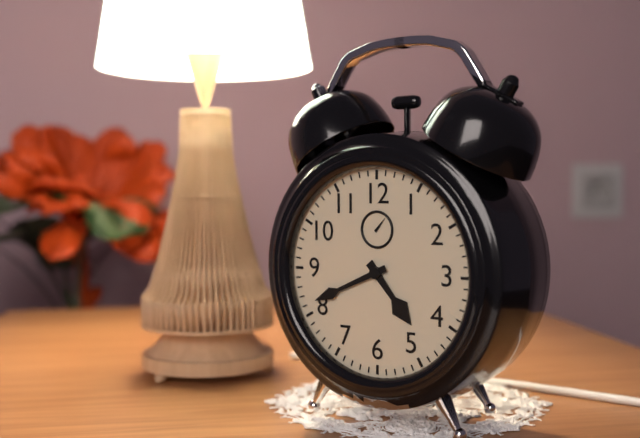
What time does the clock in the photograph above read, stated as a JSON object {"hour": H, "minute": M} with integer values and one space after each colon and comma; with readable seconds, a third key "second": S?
{"hour": 4, "minute": 41}
